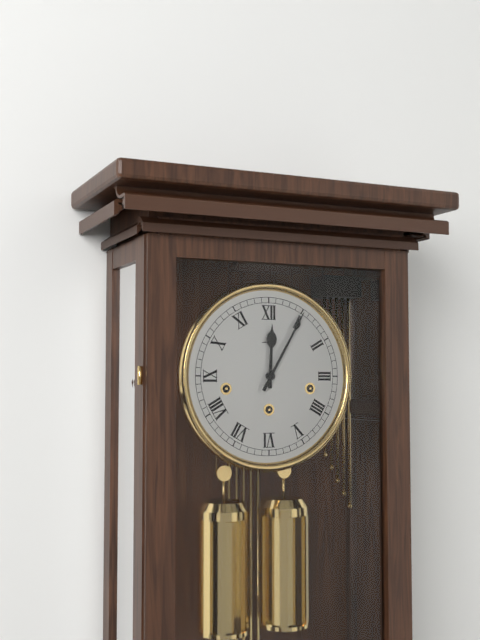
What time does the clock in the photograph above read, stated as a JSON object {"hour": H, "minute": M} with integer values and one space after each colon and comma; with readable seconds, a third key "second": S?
{"hour": 12, "minute": 5}
